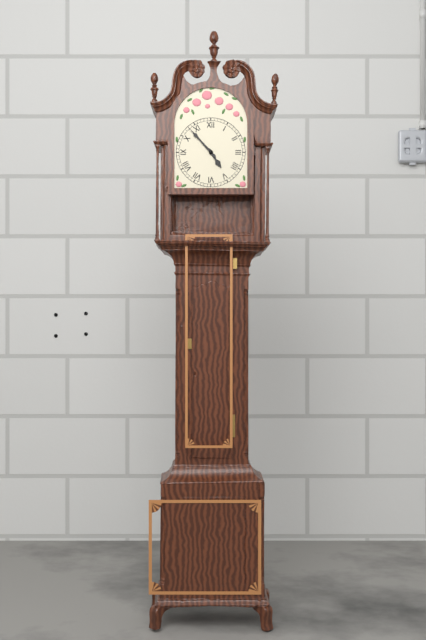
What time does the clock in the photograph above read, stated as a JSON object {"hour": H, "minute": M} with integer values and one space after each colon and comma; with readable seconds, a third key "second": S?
{"hour": 4, "minute": 53}
